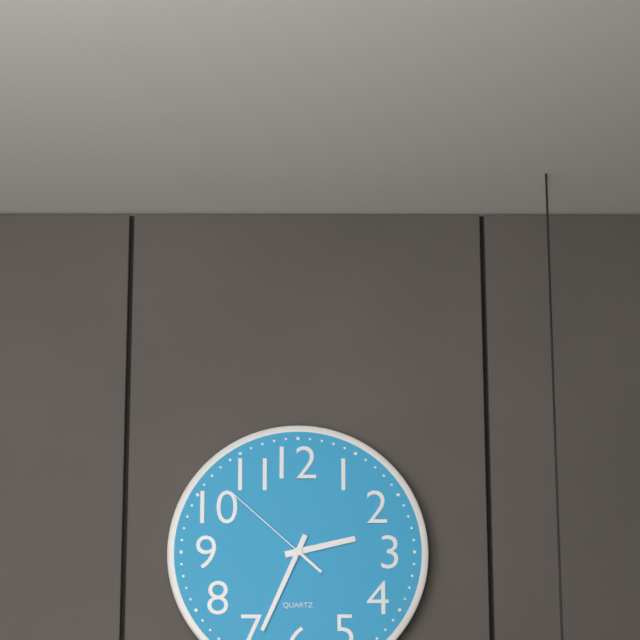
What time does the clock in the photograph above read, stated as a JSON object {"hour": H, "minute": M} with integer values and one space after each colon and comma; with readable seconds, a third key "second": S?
{"hour": 2, "minute": 34, "second": 52}
